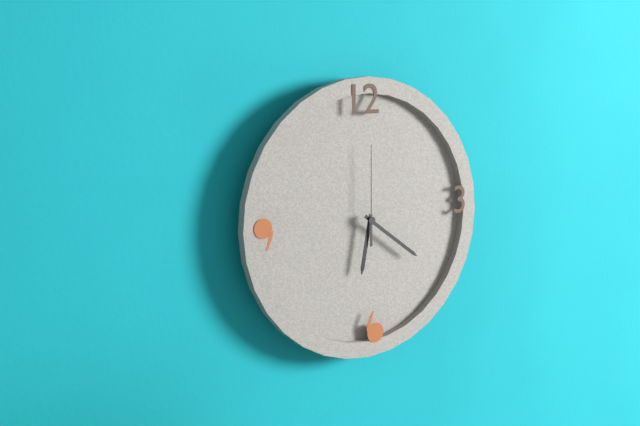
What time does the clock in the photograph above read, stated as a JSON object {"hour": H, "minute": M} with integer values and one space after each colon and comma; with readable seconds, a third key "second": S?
{"hour": 6, "minute": 21, "second": 0}
